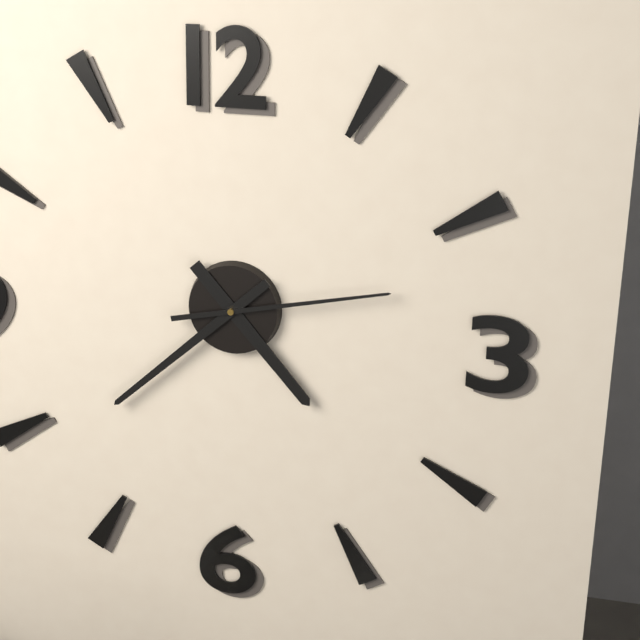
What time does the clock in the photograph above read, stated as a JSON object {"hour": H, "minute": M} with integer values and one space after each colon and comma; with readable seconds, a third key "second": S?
{"hour": 4, "minute": 38, "second": 13}
